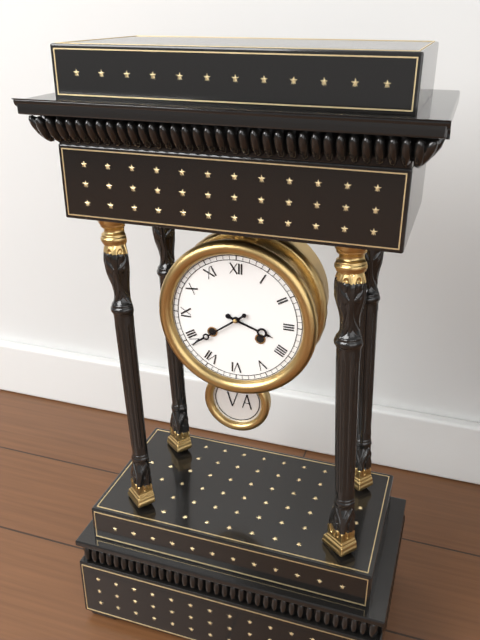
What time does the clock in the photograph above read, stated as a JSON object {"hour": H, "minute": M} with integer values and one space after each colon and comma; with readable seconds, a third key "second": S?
{"hour": 3, "minute": 39}
